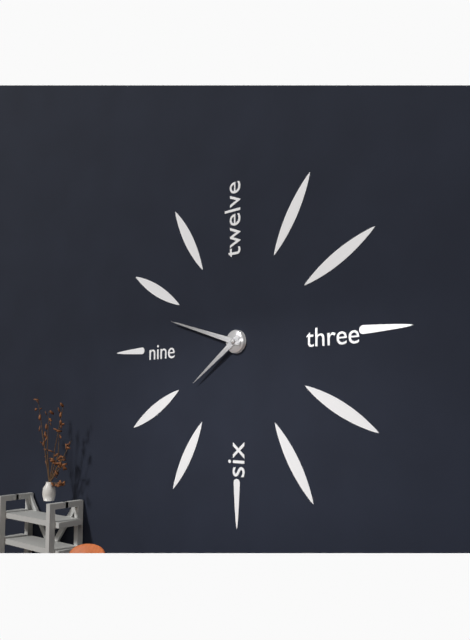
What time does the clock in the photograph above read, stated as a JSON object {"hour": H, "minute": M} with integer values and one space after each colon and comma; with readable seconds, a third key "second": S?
{"hour": 7, "minute": 48}
